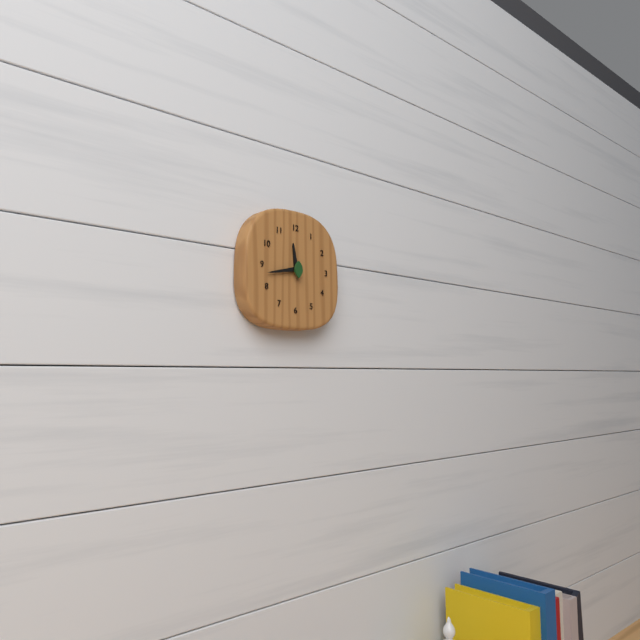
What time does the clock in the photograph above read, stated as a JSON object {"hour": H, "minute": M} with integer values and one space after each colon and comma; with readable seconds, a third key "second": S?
{"hour": 11, "minute": 43}
